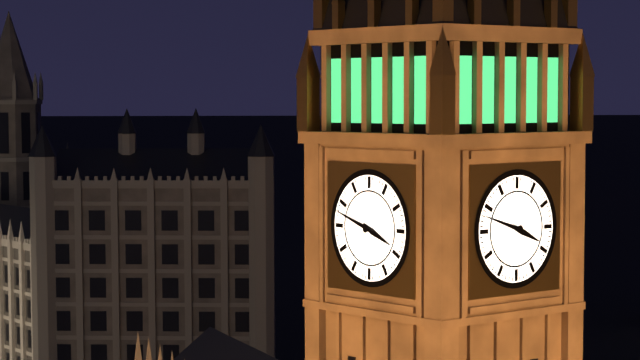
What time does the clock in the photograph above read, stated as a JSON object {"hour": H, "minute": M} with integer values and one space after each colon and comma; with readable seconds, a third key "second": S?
{"hour": 3, "minute": 48}
